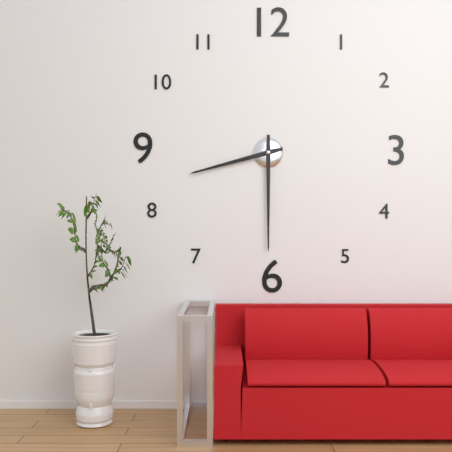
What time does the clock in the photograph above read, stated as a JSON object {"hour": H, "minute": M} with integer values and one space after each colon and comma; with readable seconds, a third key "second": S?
{"hour": 8, "minute": 30}
